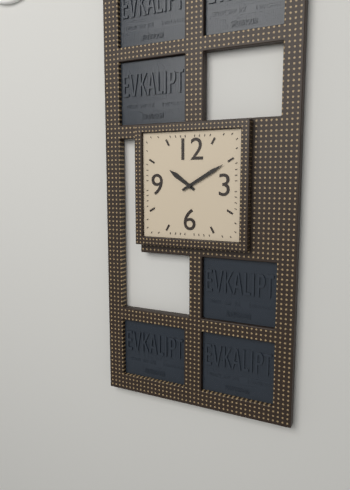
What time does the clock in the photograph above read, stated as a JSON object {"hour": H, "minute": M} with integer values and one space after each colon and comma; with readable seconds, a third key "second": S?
{"hour": 10, "minute": 10}
